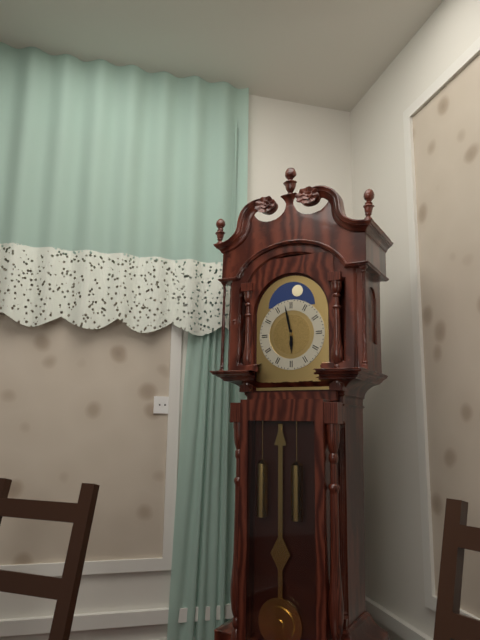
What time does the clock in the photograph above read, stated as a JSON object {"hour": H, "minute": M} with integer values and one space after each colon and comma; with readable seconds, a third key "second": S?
{"hour": 5, "minute": 58}
